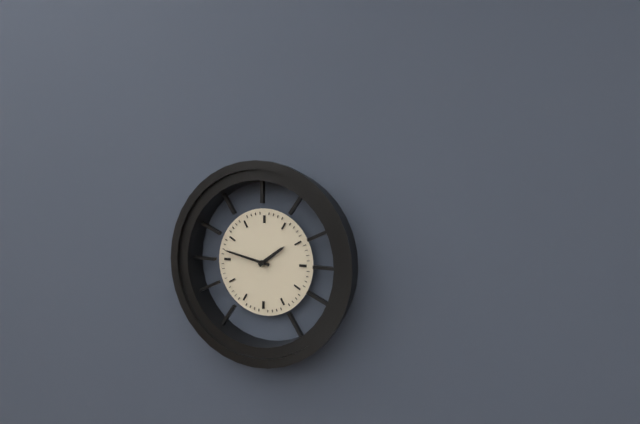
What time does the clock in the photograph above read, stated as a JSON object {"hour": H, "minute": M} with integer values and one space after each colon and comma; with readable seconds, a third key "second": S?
{"hour": 1, "minute": 47}
